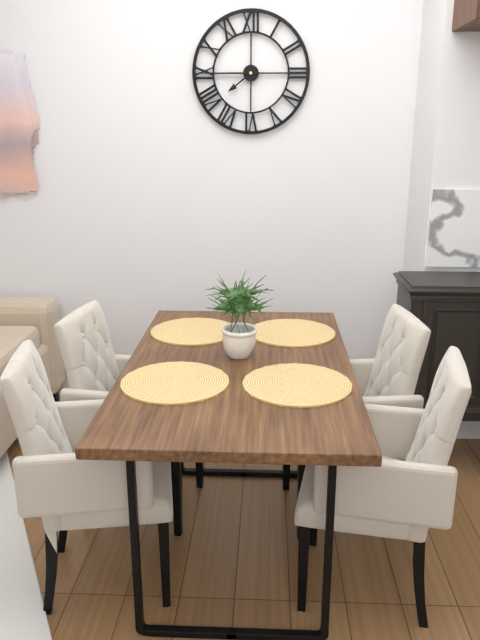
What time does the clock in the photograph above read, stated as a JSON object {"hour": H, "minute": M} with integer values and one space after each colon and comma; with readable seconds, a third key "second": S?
{"hour": 7, "minute": 45}
